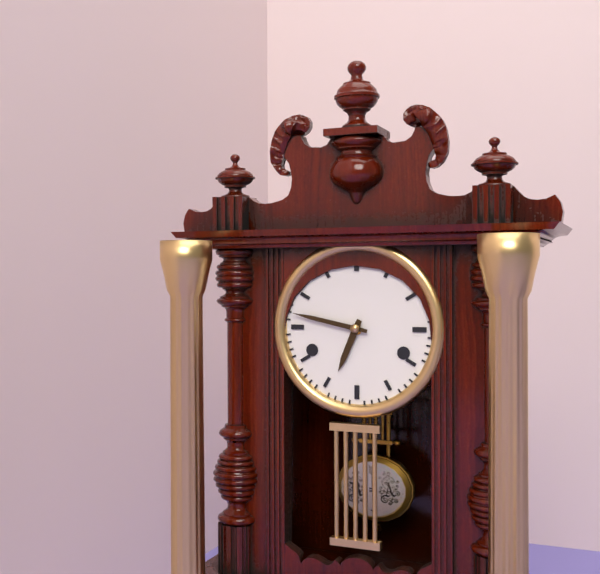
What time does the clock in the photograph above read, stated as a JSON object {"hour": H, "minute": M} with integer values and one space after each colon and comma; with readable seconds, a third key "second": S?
{"hour": 6, "minute": 47}
